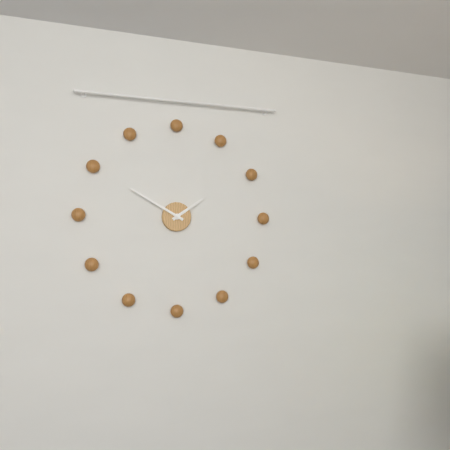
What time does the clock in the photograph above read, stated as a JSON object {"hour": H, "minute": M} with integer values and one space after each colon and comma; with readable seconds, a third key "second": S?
{"hour": 1, "minute": 50}
